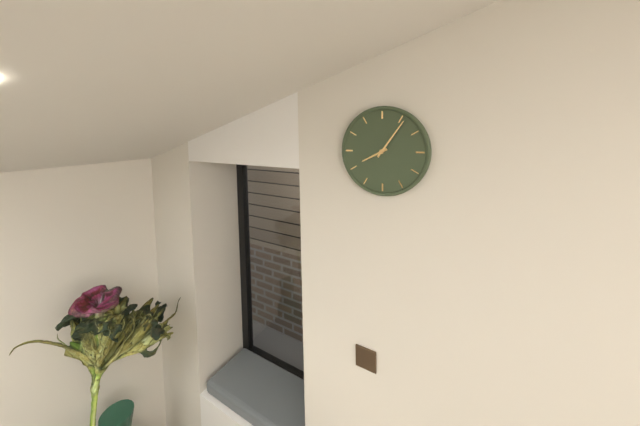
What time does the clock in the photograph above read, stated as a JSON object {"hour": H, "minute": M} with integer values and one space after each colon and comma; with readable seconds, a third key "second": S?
{"hour": 8, "minute": 6}
